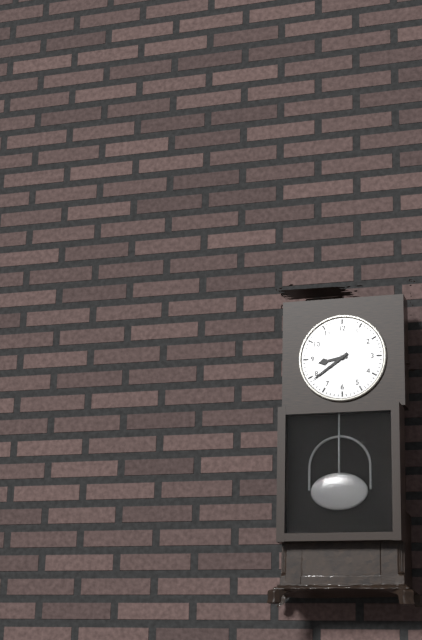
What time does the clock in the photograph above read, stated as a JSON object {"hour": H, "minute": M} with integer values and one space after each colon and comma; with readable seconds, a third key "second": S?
{"hour": 8, "minute": 39}
